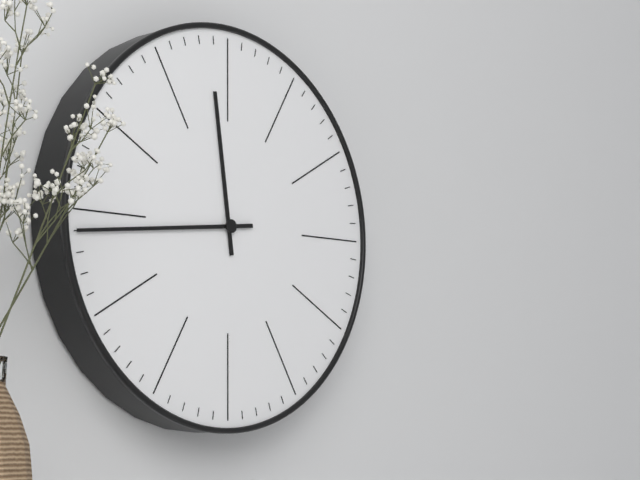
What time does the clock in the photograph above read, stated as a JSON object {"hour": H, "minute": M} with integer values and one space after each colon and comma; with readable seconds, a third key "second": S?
{"hour": 11, "minute": 44}
